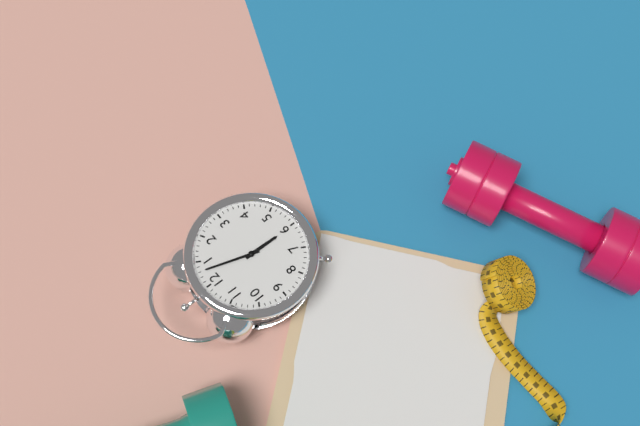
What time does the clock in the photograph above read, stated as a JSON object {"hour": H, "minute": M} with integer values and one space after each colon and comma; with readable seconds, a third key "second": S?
{"hour": 6, "minute": 3}
